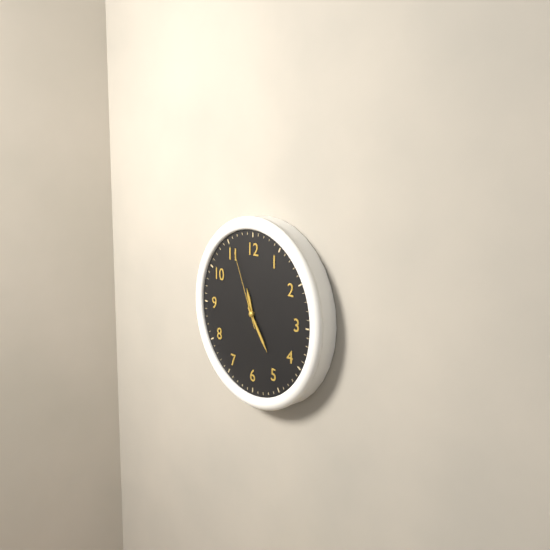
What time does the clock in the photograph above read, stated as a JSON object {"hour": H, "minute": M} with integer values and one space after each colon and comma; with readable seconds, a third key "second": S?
{"hour": 11, "minute": 24, "second": 56}
